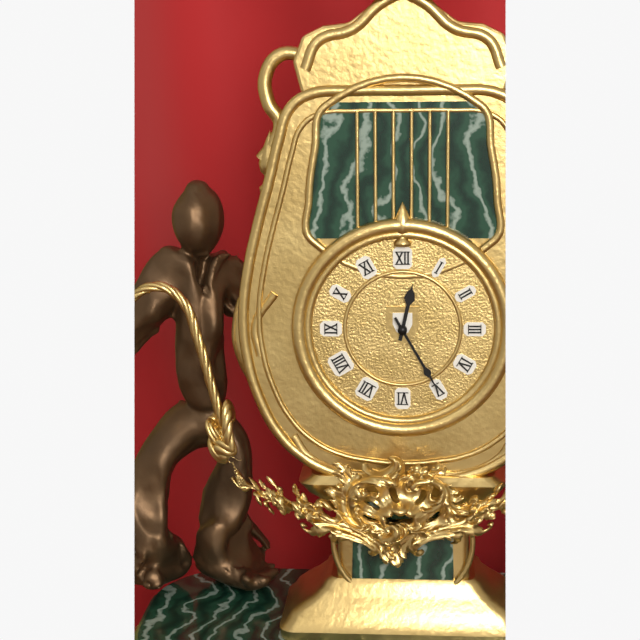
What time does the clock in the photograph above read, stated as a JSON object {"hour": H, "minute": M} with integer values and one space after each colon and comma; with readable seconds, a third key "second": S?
{"hour": 12, "minute": 25}
